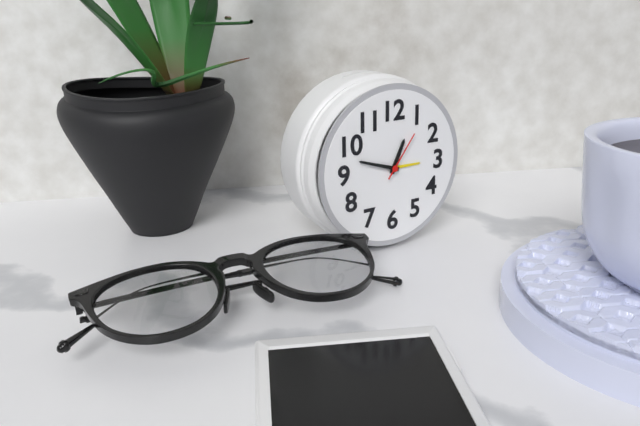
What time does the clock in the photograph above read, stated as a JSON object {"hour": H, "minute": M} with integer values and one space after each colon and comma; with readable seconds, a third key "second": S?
{"hour": 12, "minute": 48, "second": 6}
